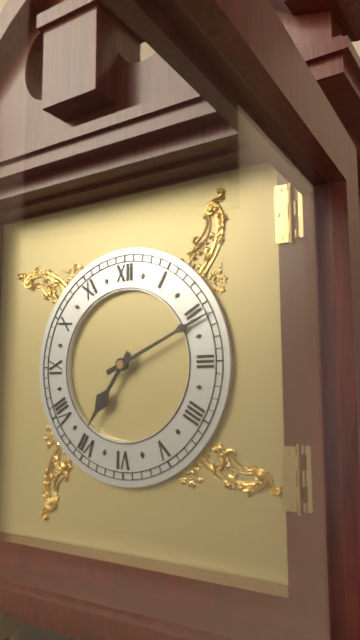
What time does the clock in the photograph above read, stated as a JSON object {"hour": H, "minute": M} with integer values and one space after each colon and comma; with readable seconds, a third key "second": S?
{"hour": 7, "minute": 11}
